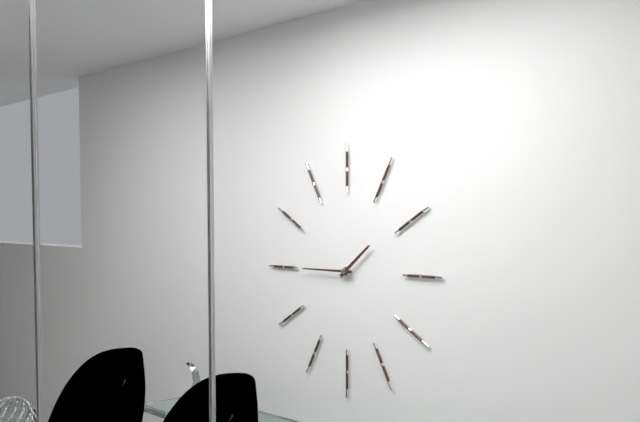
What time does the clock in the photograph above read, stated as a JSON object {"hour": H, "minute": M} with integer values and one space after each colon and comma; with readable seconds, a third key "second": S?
{"hour": 1, "minute": 45}
